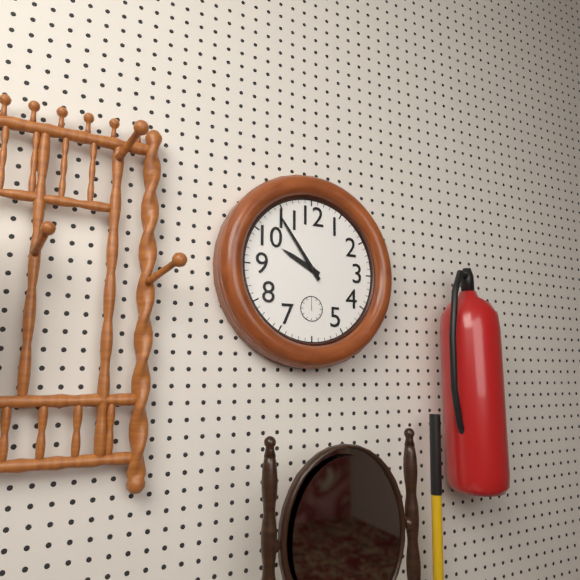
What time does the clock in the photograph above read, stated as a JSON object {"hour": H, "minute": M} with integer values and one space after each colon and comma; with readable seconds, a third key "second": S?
{"hour": 9, "minute": 54}
